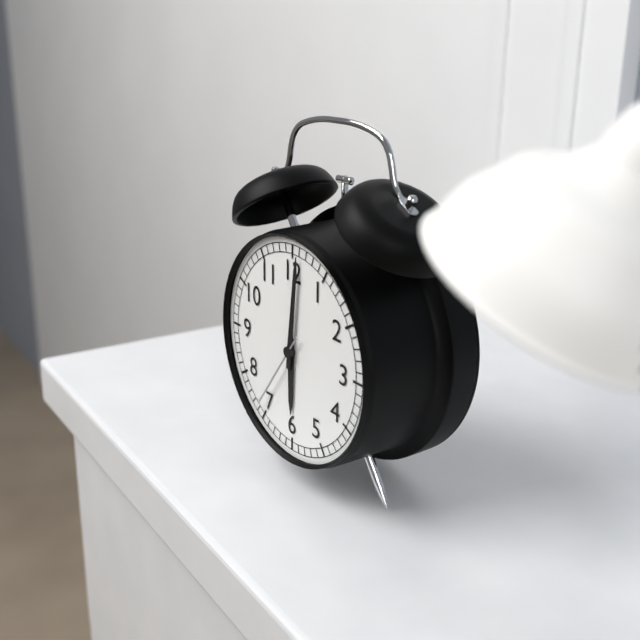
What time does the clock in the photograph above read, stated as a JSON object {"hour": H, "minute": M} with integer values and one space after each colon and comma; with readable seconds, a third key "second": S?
{"hour": 6, "minute": 1, "second": 36}
